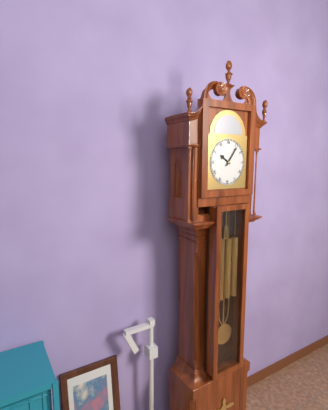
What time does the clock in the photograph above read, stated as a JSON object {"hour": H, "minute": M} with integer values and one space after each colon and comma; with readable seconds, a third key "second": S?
{"hour": 10, "minute": 6}
